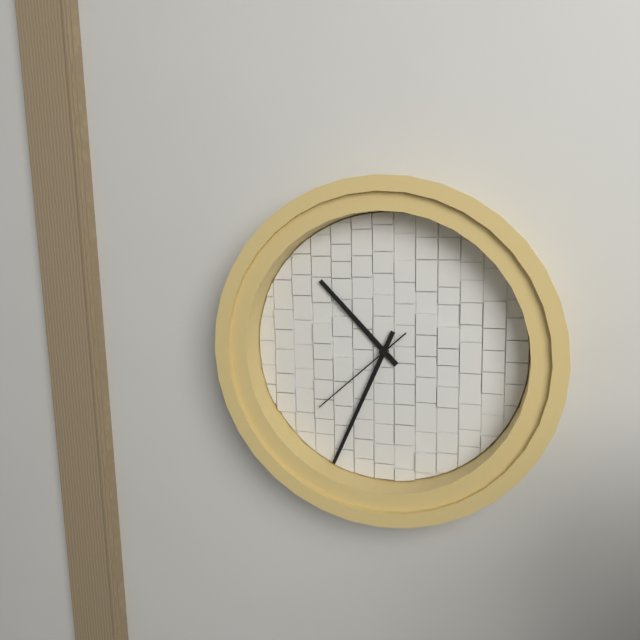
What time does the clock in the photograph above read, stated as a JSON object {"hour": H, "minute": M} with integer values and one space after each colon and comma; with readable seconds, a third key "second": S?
{"hour": 10, "minute": 34, "second": 38}
